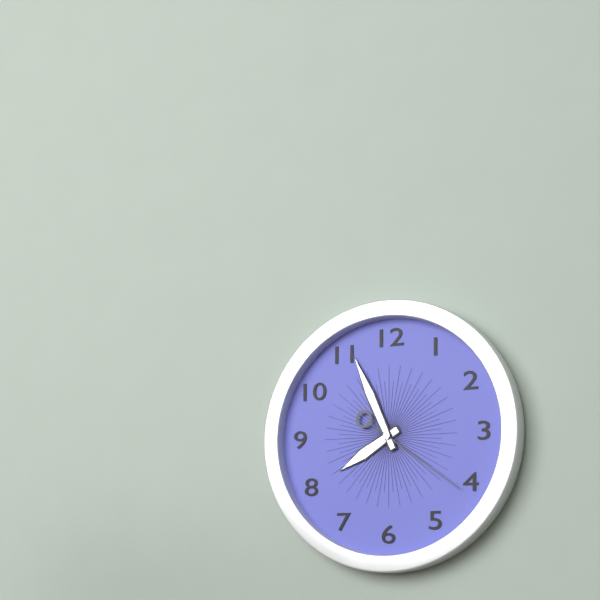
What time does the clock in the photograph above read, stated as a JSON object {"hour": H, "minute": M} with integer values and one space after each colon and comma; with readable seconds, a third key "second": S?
{"hour": 7, "minute": 56, "second": 21}
